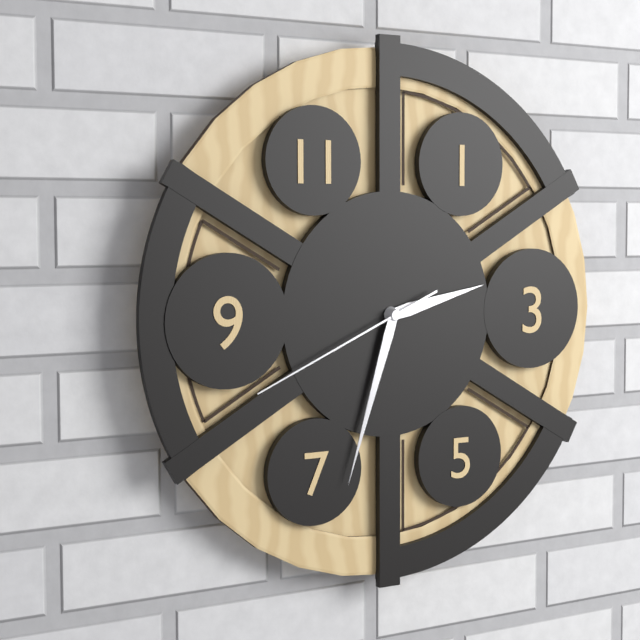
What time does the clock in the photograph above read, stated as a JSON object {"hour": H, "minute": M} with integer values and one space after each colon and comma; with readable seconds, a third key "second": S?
{"hour": 2, "minute": 33, "second": 41}
